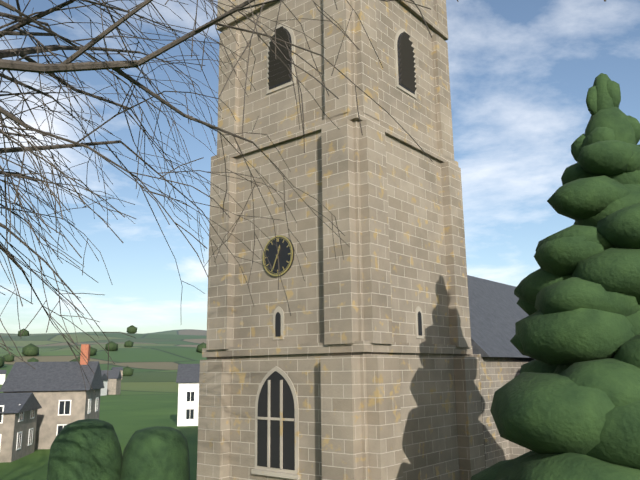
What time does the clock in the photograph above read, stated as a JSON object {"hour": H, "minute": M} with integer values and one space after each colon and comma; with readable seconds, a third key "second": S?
{"hour": 12, "minute": 34}
